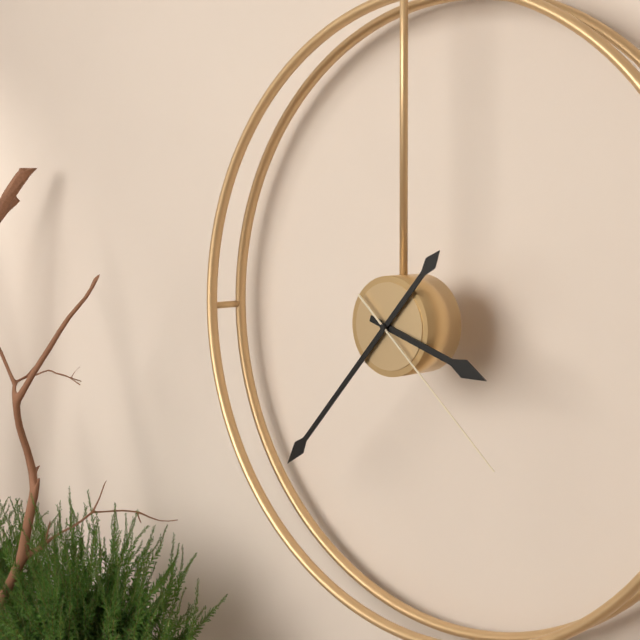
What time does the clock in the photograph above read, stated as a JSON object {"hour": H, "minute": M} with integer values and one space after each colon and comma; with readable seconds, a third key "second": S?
{"hour": 3, "minute": 37, "second": 22}
